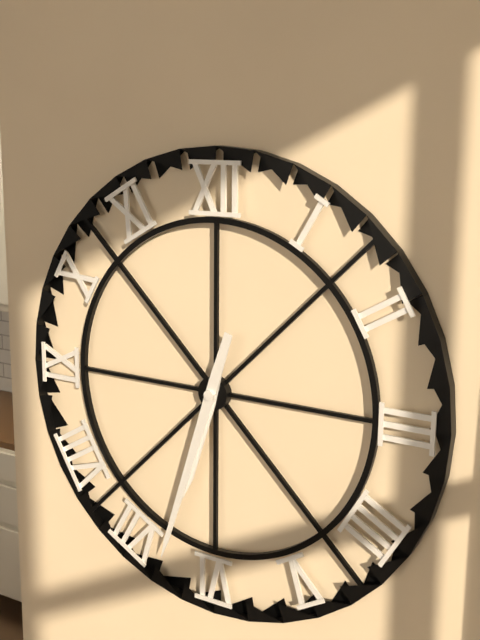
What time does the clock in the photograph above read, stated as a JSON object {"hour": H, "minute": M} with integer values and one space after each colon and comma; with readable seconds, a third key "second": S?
{"hour": 6, "minute": 33}
